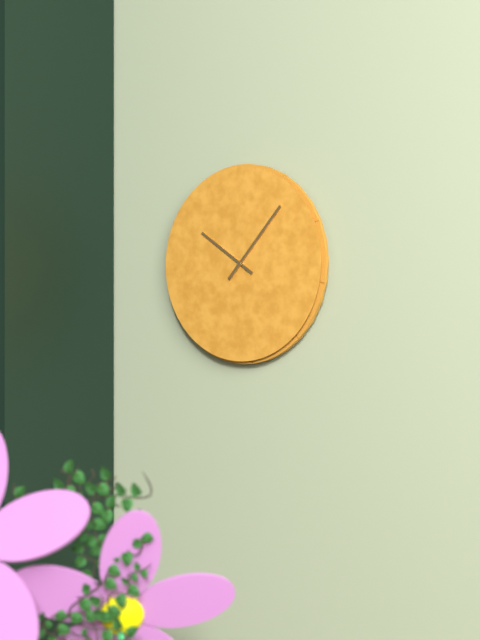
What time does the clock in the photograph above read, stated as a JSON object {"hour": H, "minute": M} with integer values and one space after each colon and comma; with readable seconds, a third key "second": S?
{"hour": 10, "minute": 7}
